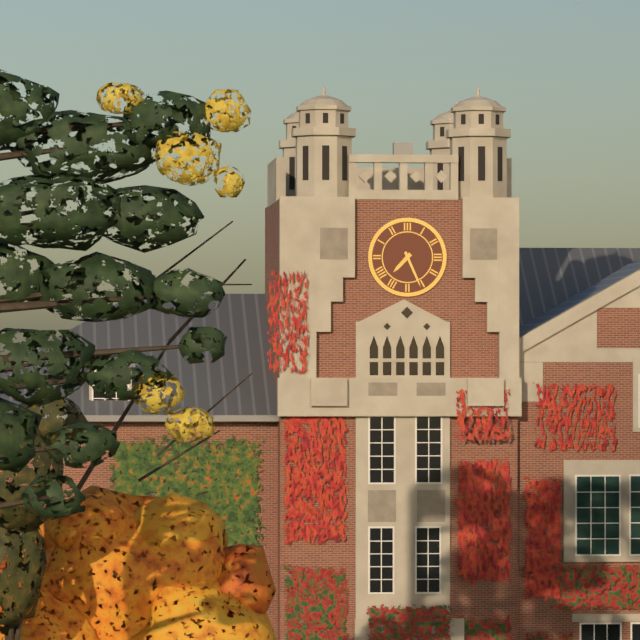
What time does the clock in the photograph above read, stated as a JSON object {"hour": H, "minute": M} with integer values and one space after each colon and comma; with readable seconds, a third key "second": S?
{"hour": 7, "minute": 26}
